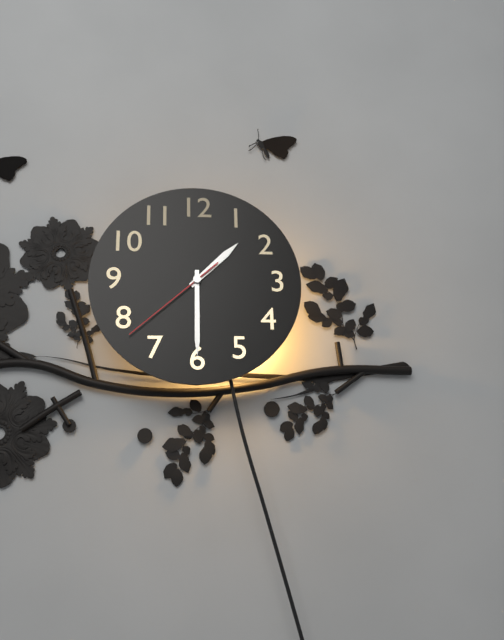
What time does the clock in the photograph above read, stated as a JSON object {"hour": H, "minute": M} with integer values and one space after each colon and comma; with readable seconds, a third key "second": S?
{"hour": 1, "minute": 30, "second": 38}
